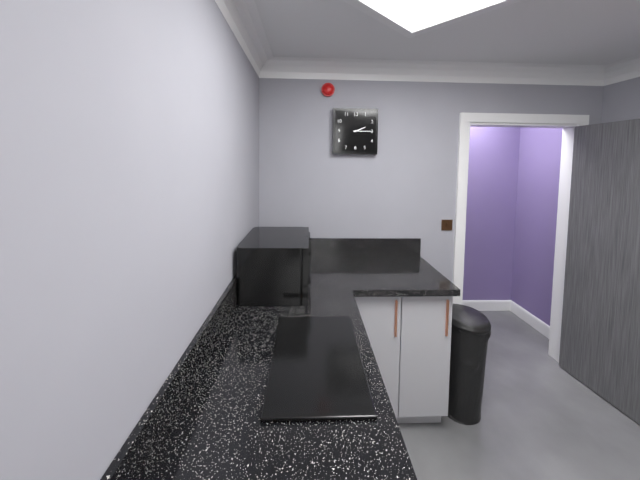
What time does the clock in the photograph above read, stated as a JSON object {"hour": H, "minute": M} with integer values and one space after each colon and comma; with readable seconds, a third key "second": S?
{"hour": 2, "minute": 15}
